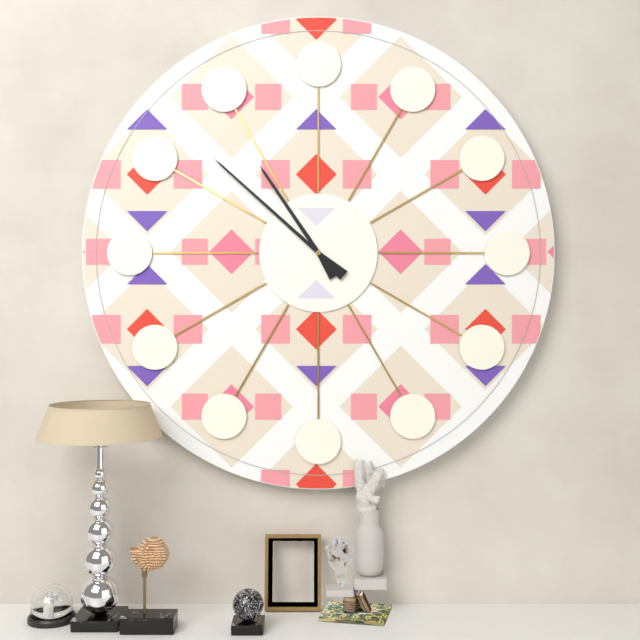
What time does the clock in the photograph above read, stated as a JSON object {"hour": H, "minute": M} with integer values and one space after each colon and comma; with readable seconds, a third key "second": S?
{"hour": 10, "minute": 52}
